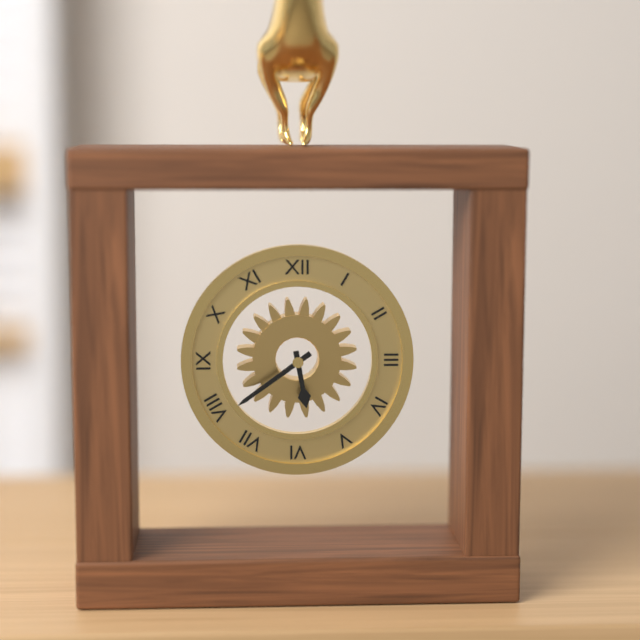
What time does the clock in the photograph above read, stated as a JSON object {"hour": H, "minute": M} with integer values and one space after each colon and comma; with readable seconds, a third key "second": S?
{"hour": 5, "minute": 39}
